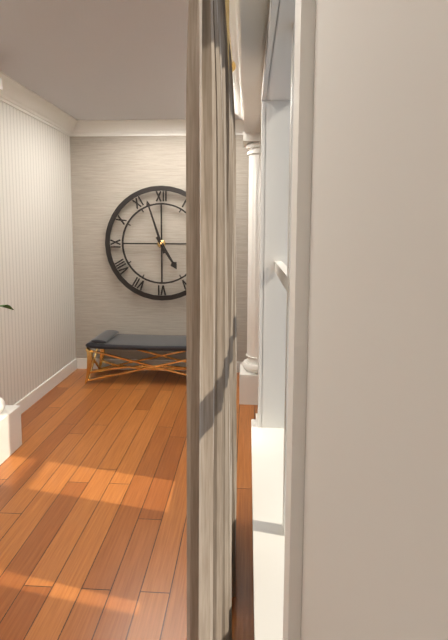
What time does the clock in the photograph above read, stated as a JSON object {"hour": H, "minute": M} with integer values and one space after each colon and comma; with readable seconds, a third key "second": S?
{"hour": 4, "minute": 57}
